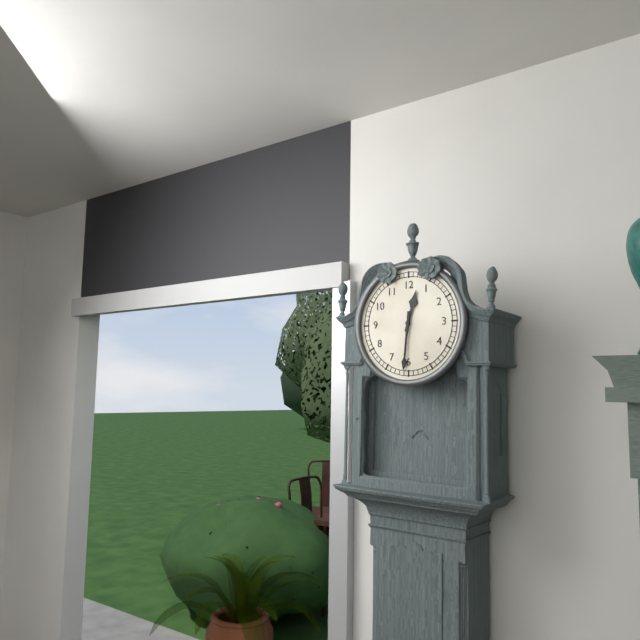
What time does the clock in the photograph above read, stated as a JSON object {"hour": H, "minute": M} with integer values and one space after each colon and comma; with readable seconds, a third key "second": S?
{"hour": 12, "minute": 31}
